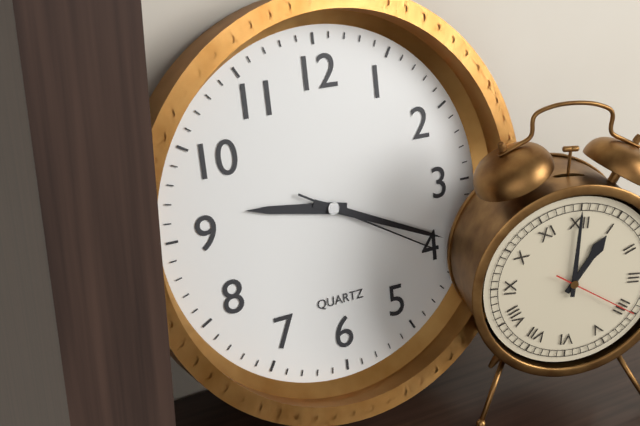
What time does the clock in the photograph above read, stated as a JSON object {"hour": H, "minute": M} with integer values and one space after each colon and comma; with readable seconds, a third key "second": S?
{"hour": 9, "minute": 19, "second": 20}
